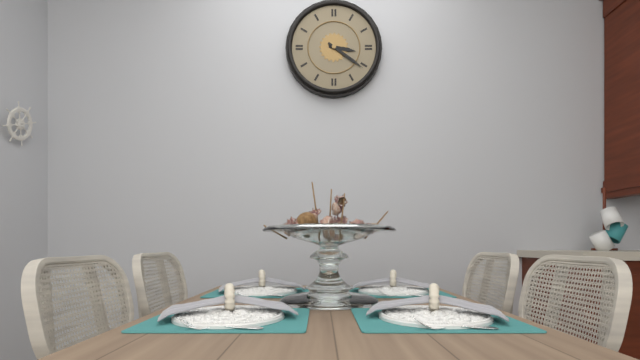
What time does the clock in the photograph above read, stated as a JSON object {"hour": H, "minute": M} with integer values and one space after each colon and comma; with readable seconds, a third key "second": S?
{"hour": 3, "minute": 21}
